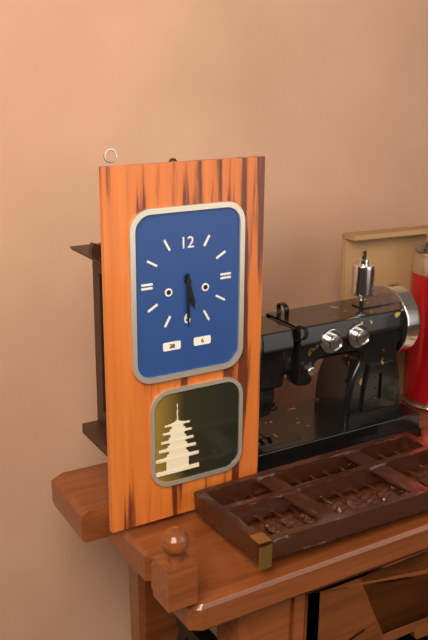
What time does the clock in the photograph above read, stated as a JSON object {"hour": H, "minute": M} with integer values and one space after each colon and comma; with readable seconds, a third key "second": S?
{"hour": 5, "minute": 30}
